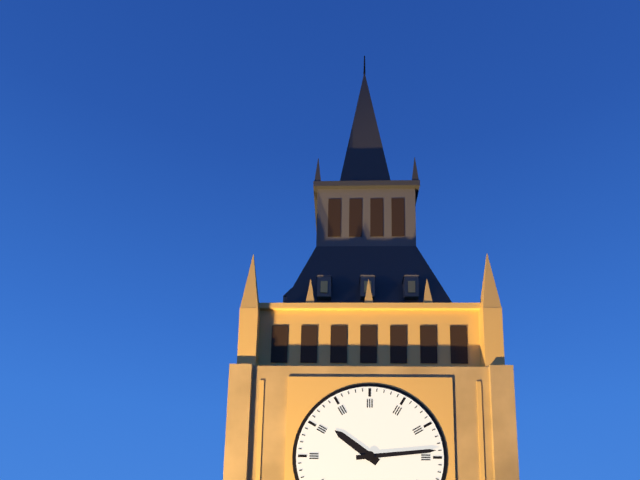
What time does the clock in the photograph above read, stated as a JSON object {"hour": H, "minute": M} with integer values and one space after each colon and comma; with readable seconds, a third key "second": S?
{"hour": 10, "minute": 14}
